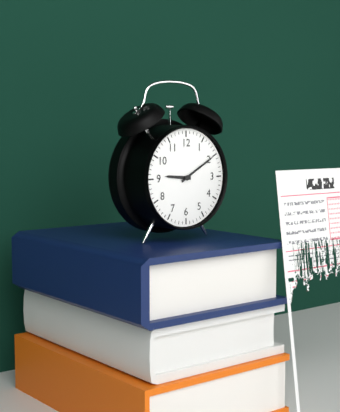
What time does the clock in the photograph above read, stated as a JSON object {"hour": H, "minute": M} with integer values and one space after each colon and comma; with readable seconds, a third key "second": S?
{"hour": 9, "minute": 10}
